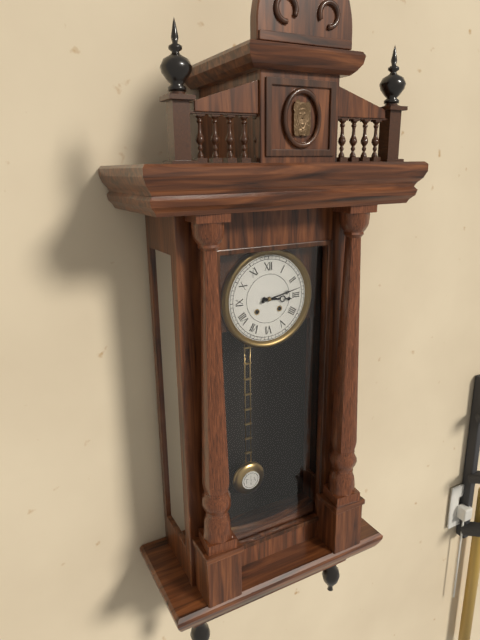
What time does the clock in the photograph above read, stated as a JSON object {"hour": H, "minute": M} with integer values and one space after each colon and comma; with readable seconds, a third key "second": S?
{"hour": 3, "minute": 13}
